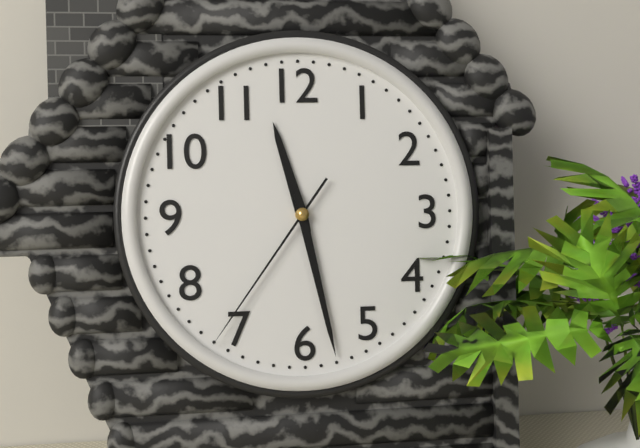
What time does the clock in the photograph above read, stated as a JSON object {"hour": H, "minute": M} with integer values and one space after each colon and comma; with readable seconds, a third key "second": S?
{"hour": 11, "minute": 28, "second": 36}
